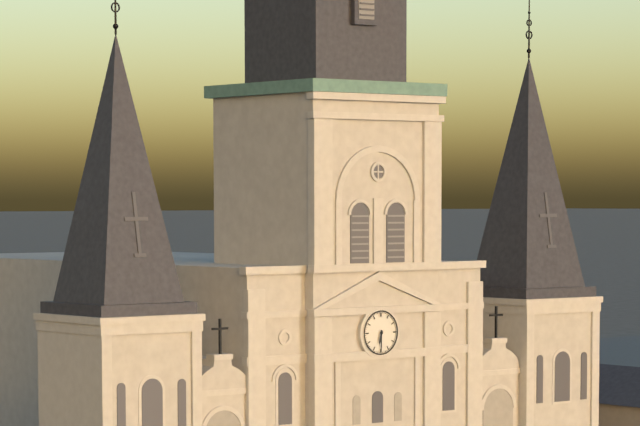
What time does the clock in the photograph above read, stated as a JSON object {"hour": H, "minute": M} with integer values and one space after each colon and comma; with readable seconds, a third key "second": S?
{"hour": 6, "minute": 30}
